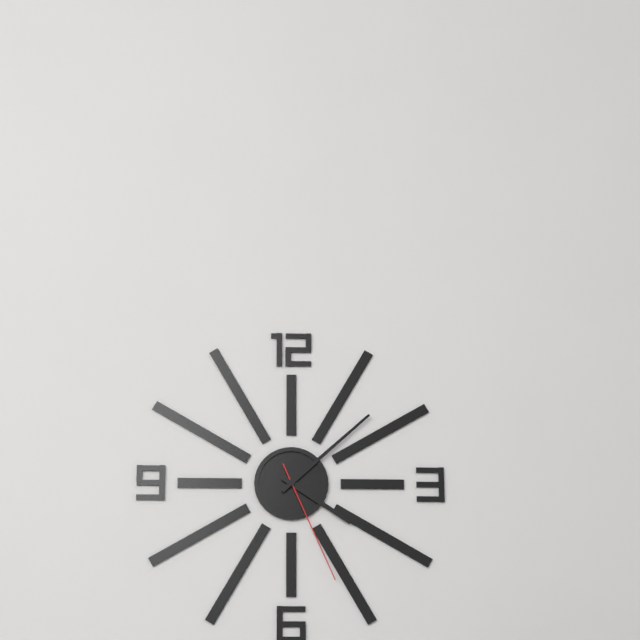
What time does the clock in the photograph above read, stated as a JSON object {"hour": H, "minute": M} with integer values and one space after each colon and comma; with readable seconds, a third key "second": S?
{"hour": 4, "minute": 8, "second": 26}
